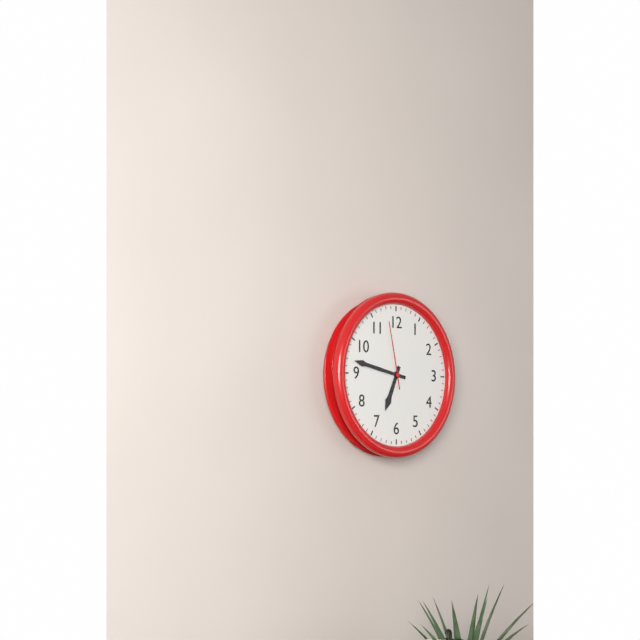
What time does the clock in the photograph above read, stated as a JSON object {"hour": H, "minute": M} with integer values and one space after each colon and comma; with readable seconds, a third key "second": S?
{"hour": 6, "minute": 47, "second": 58}
